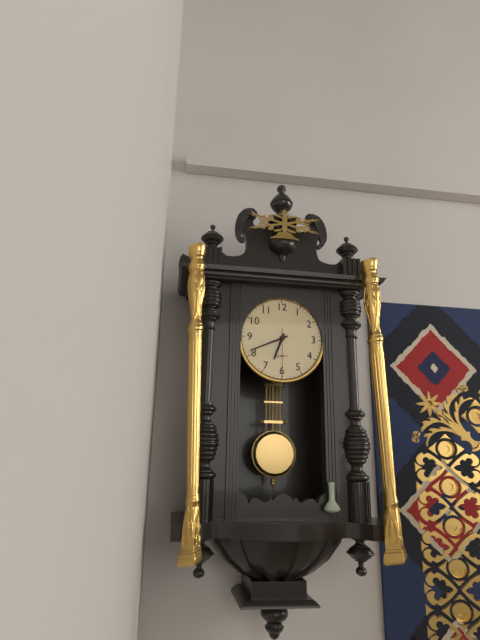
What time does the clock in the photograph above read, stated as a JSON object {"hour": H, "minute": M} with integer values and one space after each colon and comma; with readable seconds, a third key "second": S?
{"hour": 6, "minute": 41}
